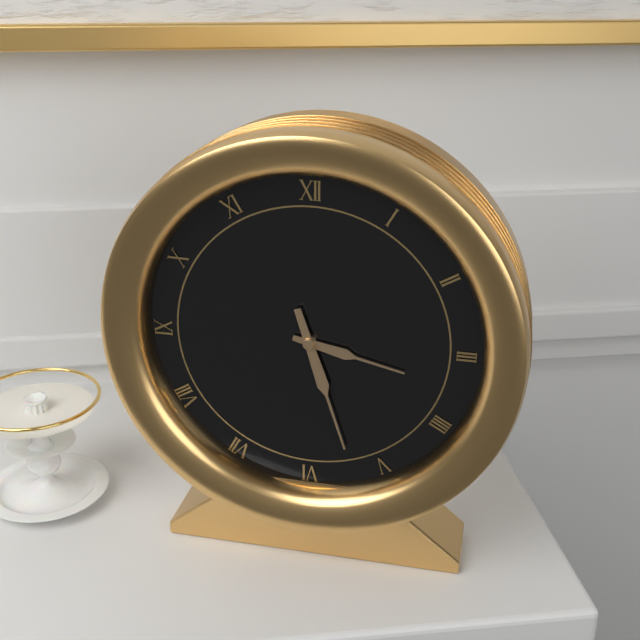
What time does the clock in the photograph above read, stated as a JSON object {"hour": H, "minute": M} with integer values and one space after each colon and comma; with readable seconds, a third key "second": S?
{"hour": 3, "minute": 27}
